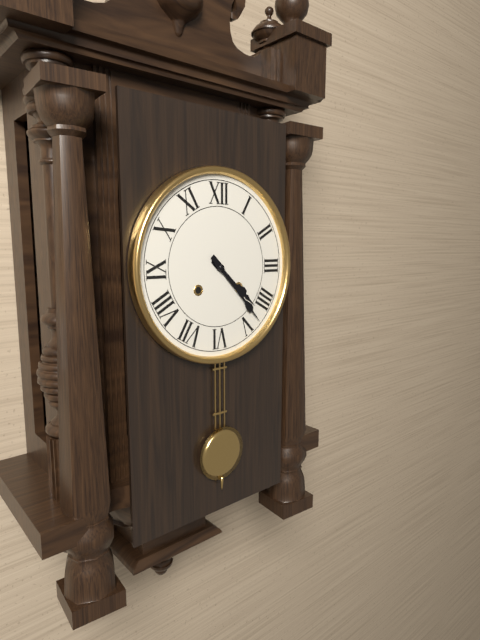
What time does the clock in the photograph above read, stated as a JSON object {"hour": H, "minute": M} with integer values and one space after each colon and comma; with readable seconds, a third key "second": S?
{"hour": 4, "minute": 23}
